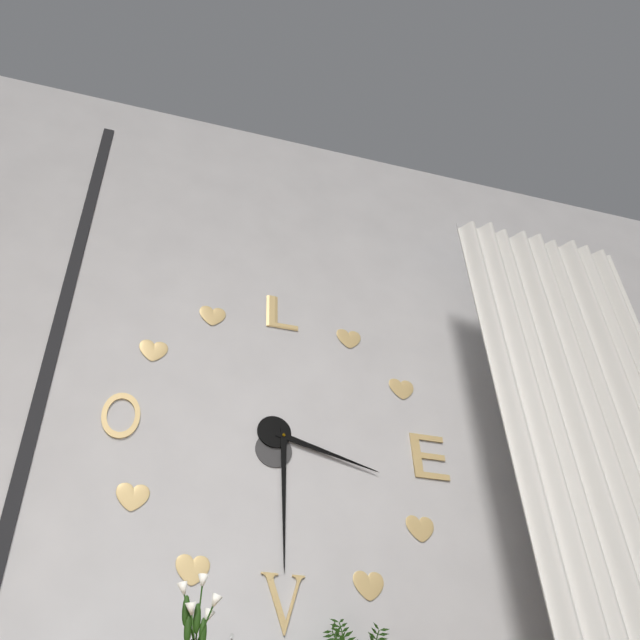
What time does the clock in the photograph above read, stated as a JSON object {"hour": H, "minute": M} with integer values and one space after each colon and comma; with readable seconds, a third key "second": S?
{"hour": 3, "minute": 30}
